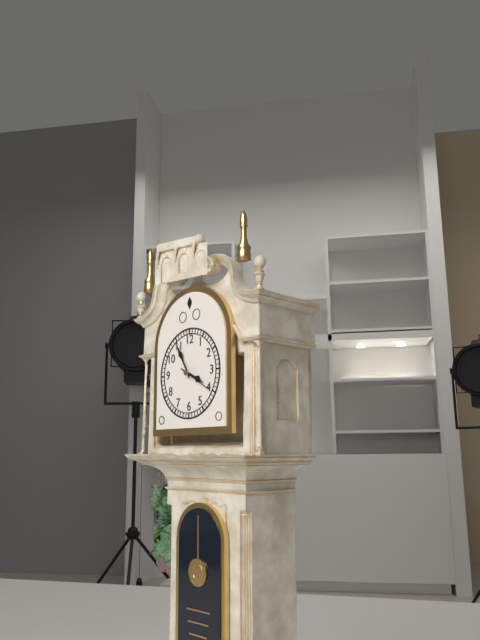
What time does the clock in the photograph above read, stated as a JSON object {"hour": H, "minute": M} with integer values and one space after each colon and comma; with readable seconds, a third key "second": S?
{"hour": 3, "minute": 55}
